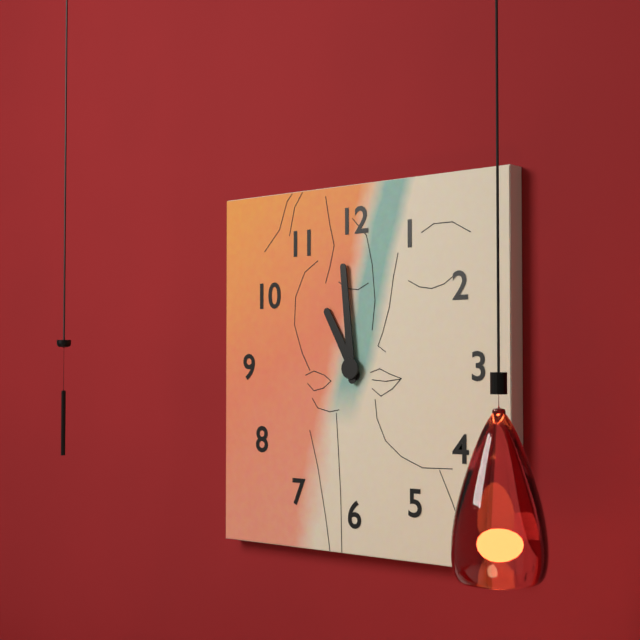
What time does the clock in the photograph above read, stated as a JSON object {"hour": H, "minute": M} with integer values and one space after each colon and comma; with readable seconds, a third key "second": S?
{"hour": 10, "minute": 59}
